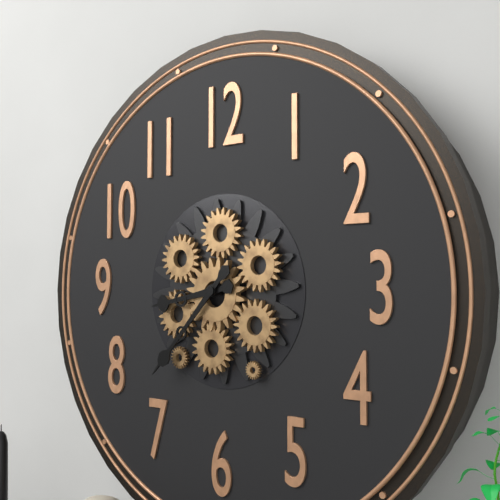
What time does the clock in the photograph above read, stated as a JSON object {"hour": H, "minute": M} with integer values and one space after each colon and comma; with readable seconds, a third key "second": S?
{"hour": 8, "minute": 37}
